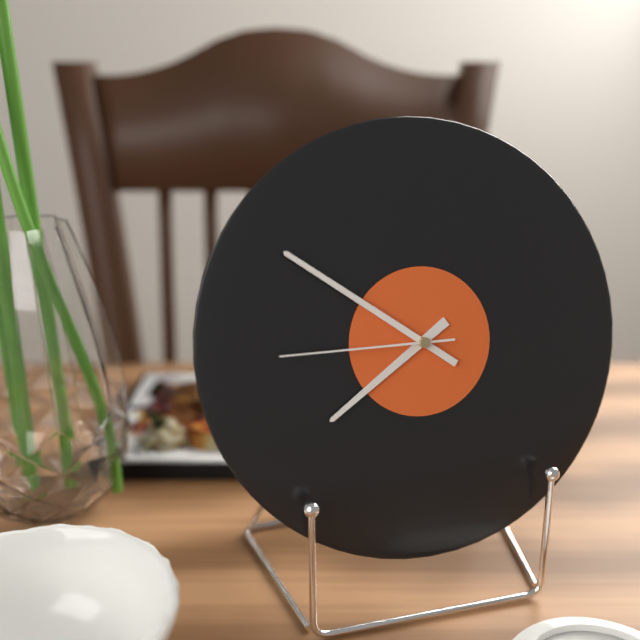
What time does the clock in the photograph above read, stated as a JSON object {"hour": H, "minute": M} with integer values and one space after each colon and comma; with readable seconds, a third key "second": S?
{"hour": 7, "minute": 51, "second": 45}
